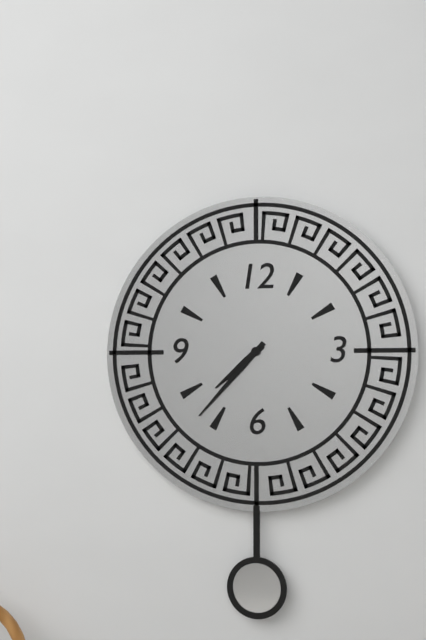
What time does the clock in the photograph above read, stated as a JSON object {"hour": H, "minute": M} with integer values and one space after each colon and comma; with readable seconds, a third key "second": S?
{"hour": 7, "minute": 37}
